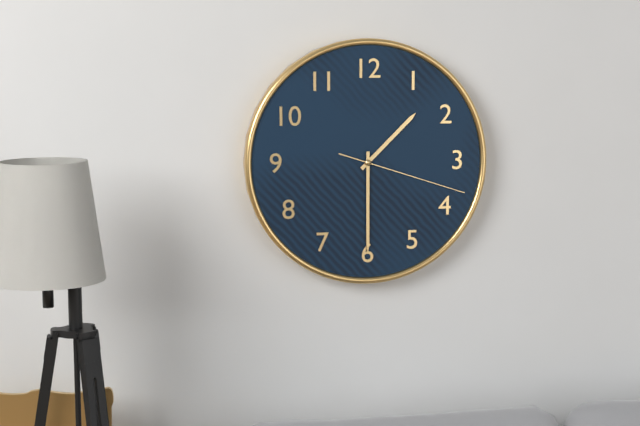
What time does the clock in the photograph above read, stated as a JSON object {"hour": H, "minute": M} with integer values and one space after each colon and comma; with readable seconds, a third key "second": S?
{"hour": 1, "minute": 30, "second": 18}
